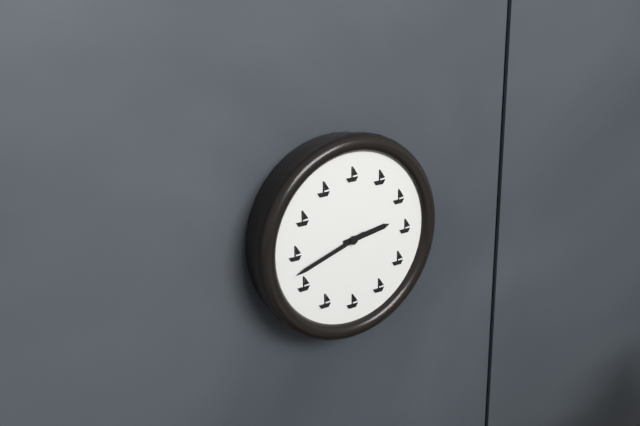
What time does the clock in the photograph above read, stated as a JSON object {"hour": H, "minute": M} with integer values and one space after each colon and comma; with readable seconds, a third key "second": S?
{"hour": 2, "minute": 42}
